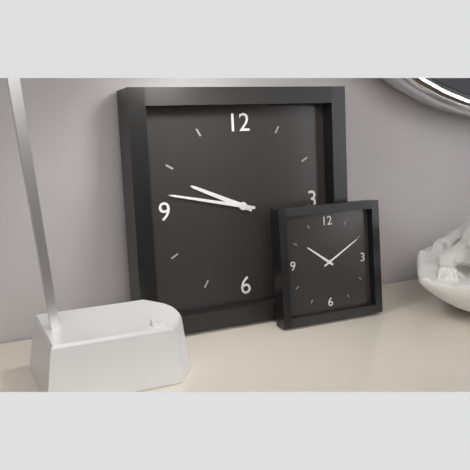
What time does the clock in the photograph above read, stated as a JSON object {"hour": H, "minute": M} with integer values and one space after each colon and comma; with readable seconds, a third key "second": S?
{"hour": 9, "minute": 47}
